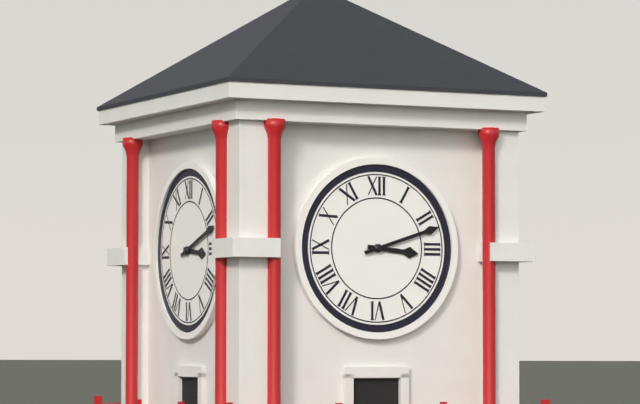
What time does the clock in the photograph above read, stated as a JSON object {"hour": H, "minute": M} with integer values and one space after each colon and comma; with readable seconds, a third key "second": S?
{"hour": 3, "minute": 12}
